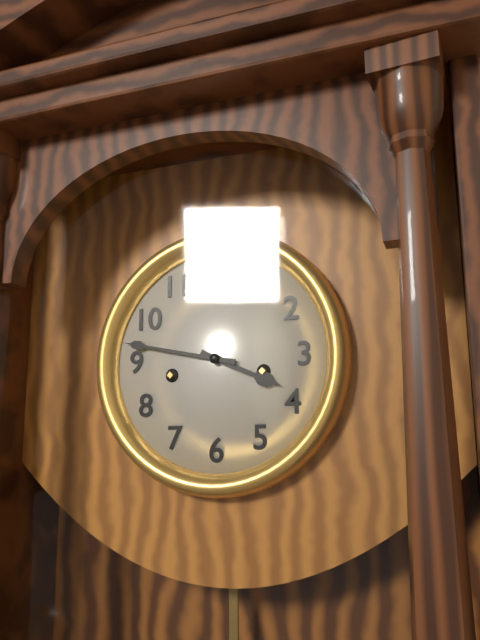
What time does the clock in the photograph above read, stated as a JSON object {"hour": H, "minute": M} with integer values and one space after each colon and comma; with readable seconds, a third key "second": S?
{"hour": 3, "minute": 47}
